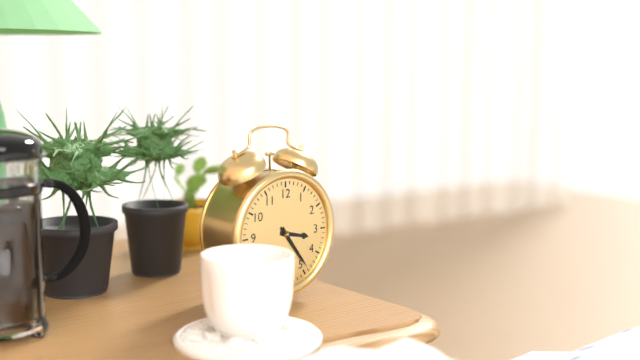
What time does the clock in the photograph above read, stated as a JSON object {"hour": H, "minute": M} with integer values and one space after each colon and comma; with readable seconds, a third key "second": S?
{"hour": 3, "minute": 24}
